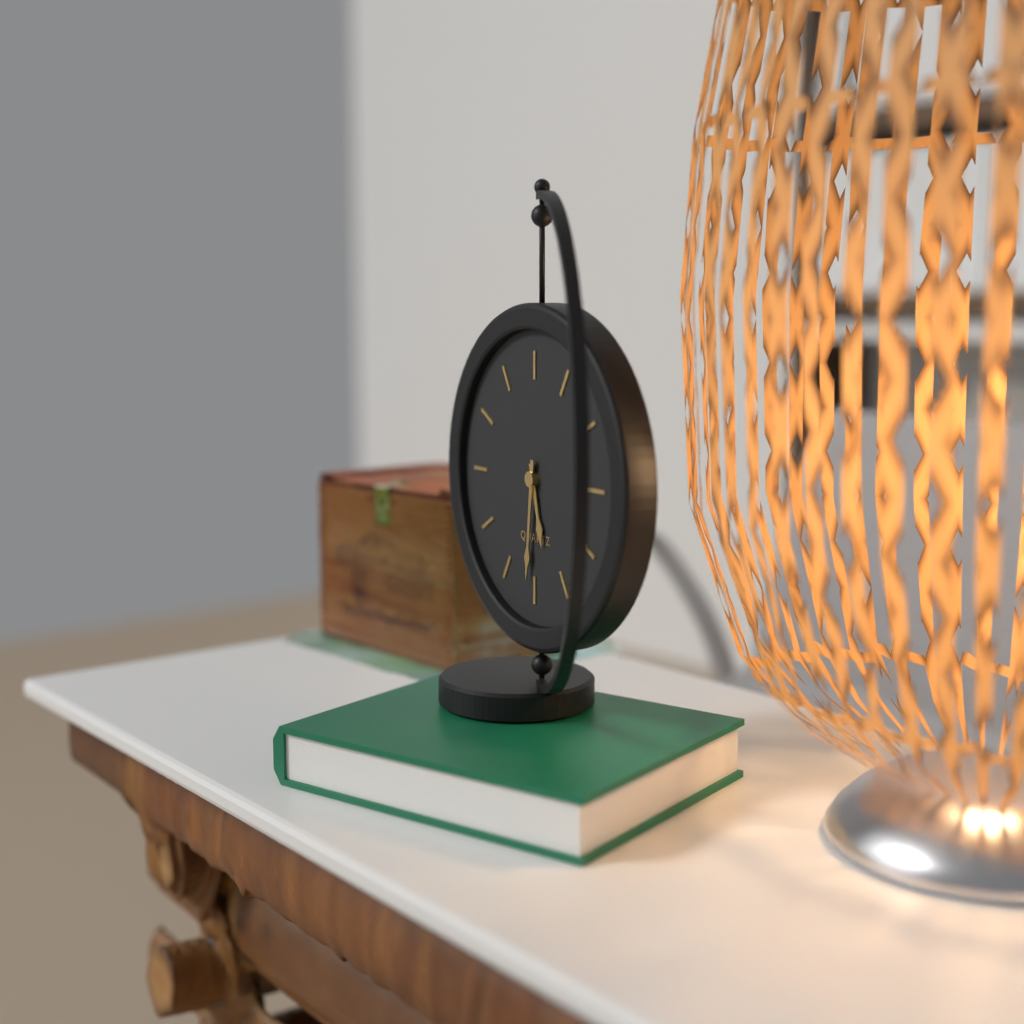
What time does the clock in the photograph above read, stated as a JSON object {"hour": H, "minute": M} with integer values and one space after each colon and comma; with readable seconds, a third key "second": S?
{"hour": 5, "minute": 31}
